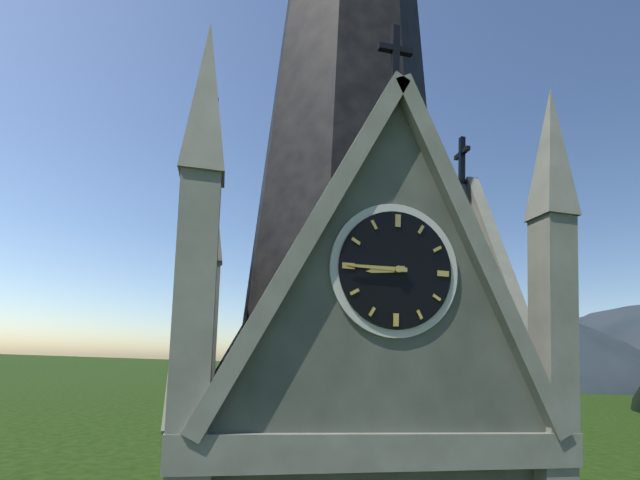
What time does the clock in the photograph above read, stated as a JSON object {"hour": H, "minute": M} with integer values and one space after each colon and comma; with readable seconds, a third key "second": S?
{"hour": 8, "minute": 45}
